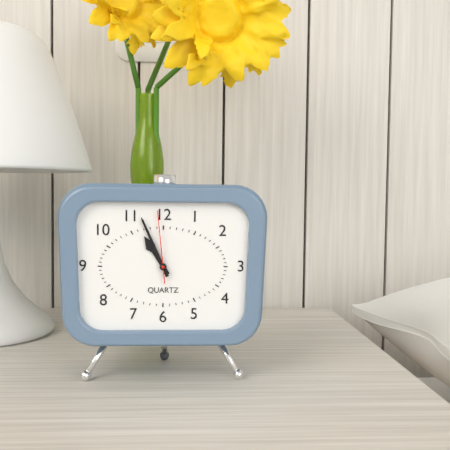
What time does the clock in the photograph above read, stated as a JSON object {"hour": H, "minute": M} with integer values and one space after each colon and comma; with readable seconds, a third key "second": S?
{"hour": 10, "minute": 56, "second": 59}
